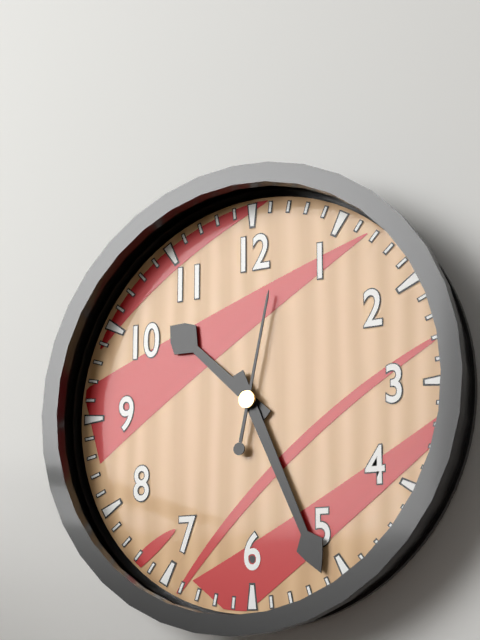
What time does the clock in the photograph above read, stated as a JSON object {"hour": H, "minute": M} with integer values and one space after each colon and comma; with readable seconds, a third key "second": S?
{"hour": 10, "minute": 26, "second": 2}
